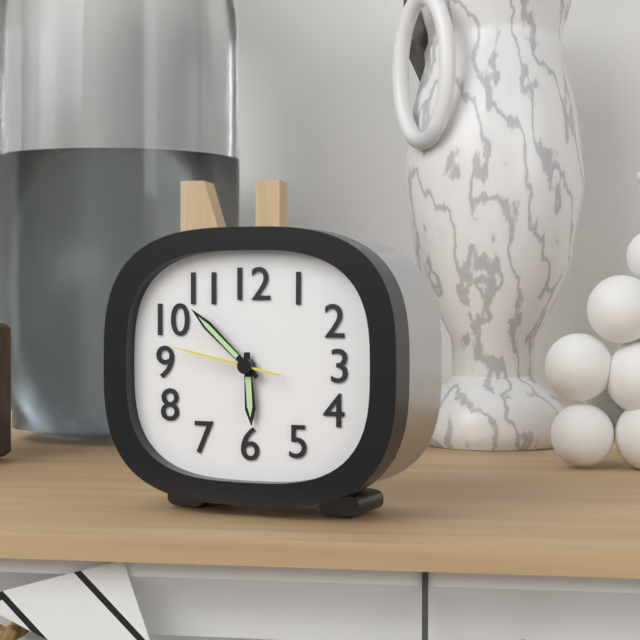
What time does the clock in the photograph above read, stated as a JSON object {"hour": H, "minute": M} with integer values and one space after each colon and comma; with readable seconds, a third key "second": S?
{"hour": 5, "minute": 52, "second": 47}
